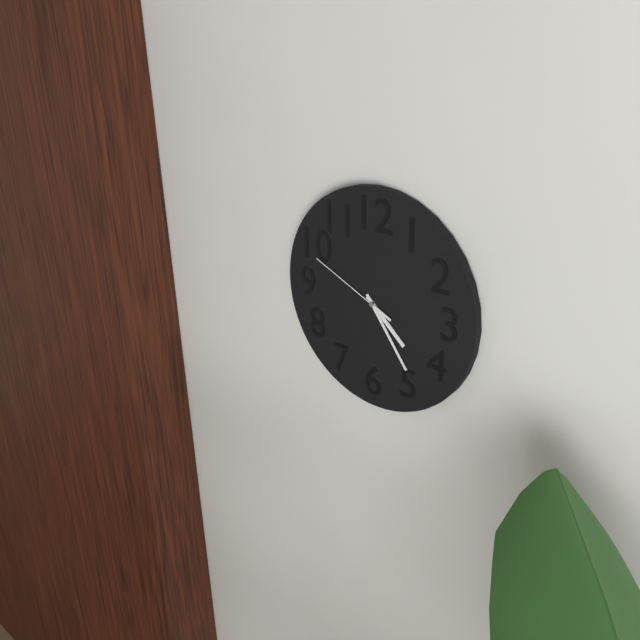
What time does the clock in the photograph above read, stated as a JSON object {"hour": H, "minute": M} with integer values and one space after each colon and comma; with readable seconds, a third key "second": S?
{"hour": 4, "minute": 24, "second": 49}
